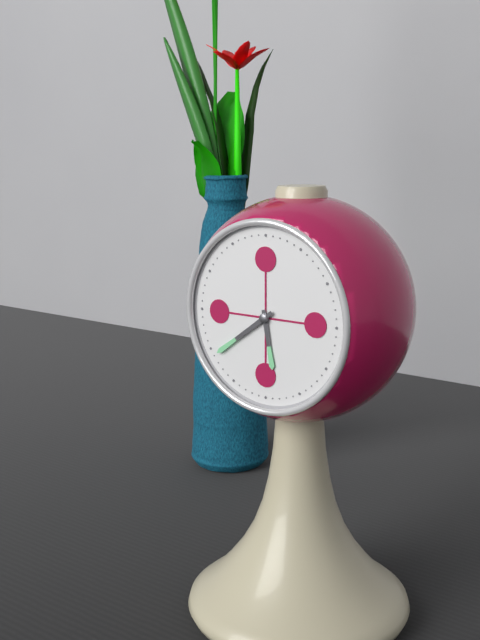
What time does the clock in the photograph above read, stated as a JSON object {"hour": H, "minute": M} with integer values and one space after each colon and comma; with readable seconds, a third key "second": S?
{"hour": 5, "minute": 39}
